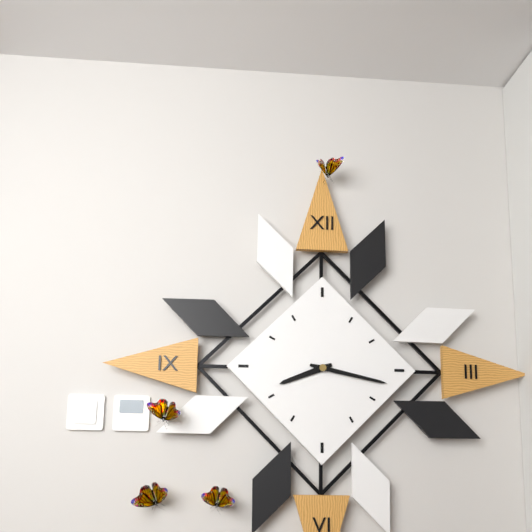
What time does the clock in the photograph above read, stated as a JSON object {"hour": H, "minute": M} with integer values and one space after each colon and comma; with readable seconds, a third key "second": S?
{"hour": 8, "minute": 17}
